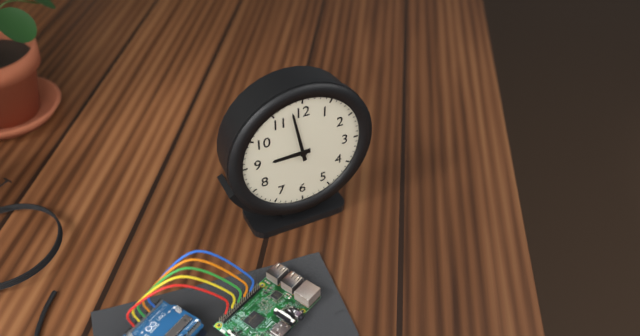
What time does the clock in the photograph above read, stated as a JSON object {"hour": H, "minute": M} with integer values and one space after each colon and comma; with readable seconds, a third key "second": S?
{"hour": 8, "minute": 58}
